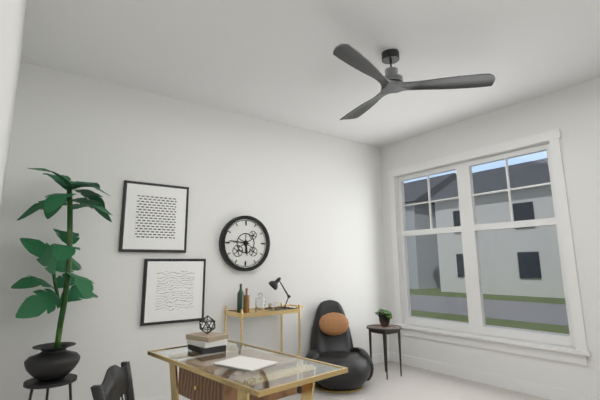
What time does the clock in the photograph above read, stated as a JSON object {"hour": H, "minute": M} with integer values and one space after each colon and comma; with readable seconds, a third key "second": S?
{"hour": 5, "minute": 46}
